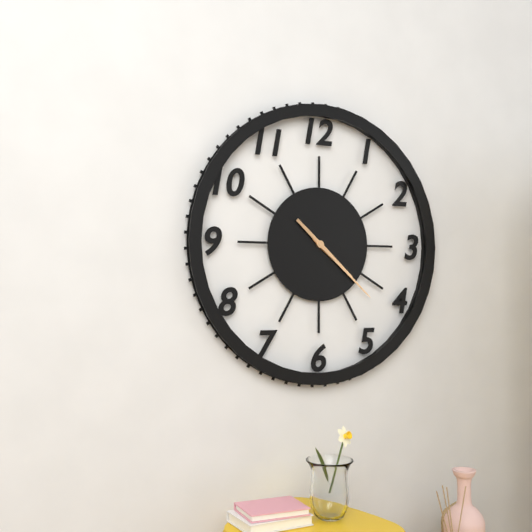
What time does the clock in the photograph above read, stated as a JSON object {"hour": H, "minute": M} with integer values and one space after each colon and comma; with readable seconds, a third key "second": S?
{"hour": 4, "minute": 22}
